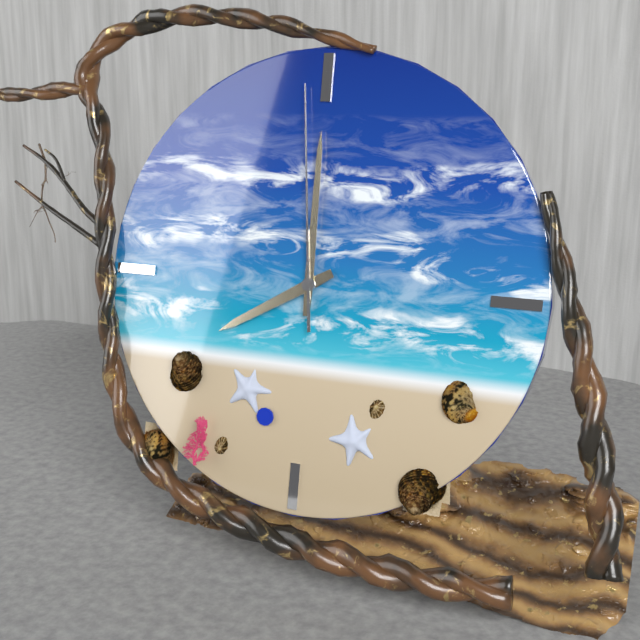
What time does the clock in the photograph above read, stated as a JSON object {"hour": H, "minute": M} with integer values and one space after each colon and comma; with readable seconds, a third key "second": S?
{"hour": 8, "minute": 0, "second": 59}
